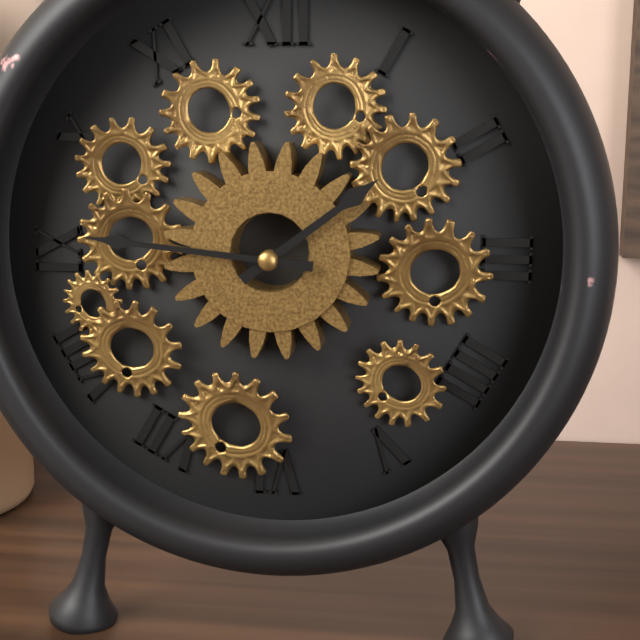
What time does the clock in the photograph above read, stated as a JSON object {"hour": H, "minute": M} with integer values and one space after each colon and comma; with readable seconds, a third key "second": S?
{"hour": 1, "minute": 46}
